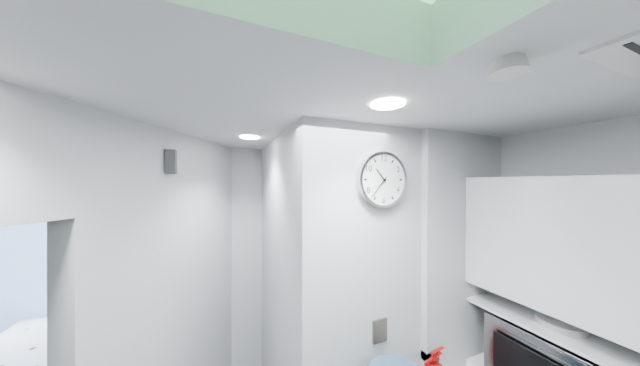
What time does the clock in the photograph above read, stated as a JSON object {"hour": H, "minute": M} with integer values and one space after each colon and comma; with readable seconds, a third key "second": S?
{"hour": 10, "minute": 37}
